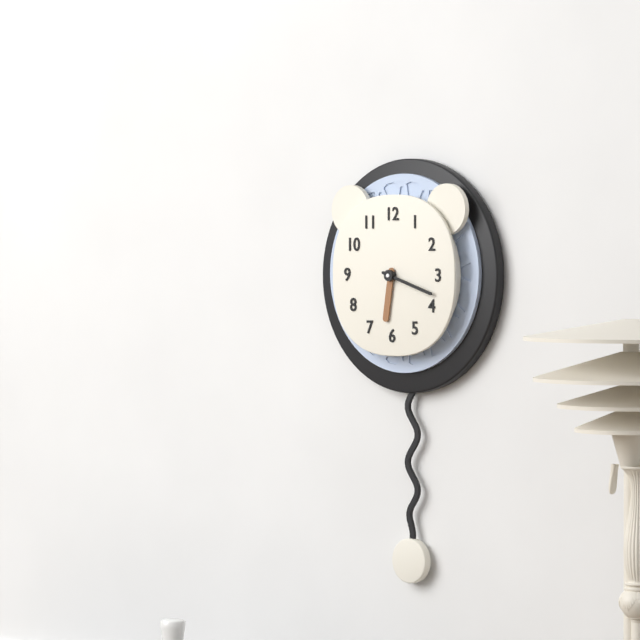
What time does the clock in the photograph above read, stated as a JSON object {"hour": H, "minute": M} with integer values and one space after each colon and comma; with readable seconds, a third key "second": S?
{"hour": 6, "minute": 18}
